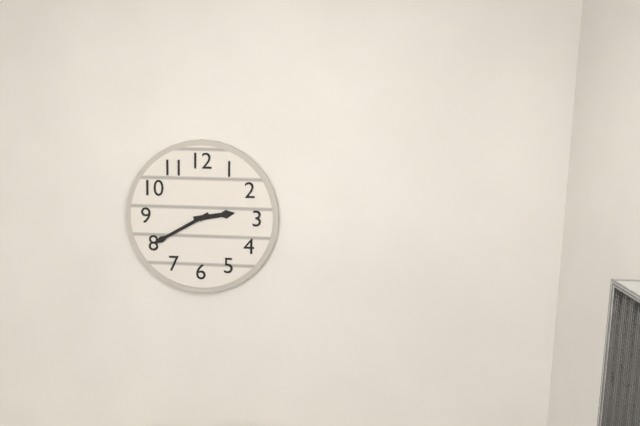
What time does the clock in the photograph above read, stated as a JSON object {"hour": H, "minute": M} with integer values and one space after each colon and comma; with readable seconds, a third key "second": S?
{"hour": 2, "minute": 40}
